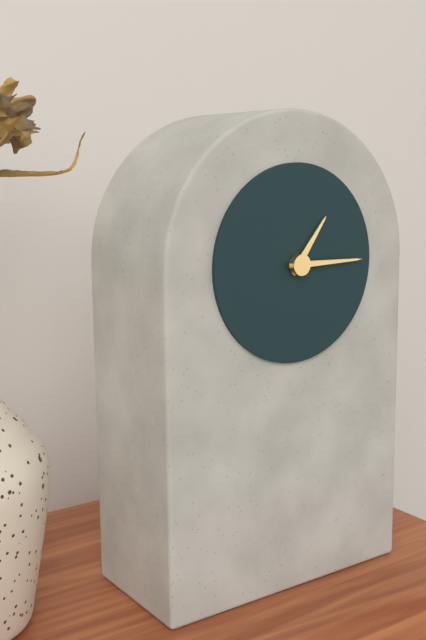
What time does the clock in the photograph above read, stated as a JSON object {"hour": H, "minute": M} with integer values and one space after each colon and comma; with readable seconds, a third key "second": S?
{"hour": 1, "minute": 15}
